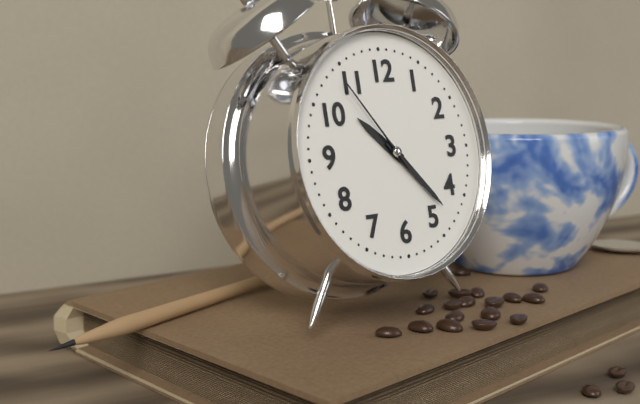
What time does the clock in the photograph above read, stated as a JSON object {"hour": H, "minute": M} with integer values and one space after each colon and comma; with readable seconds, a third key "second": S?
{"hour": 10, "minute": 23, "second": 54}
